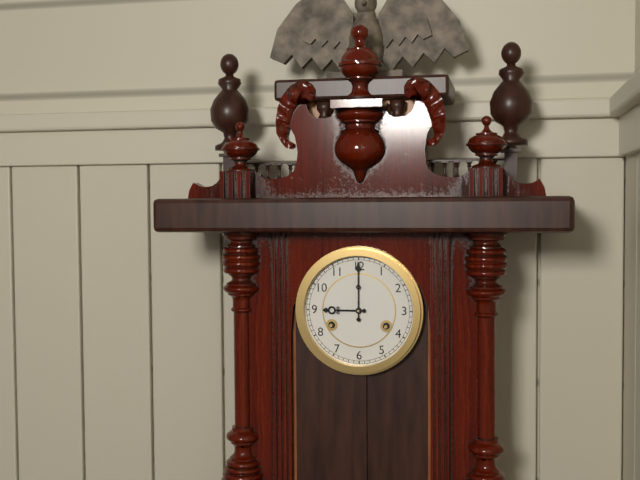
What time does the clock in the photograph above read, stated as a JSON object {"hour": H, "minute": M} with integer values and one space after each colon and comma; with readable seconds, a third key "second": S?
{"hour": 9, "minute": 0}
